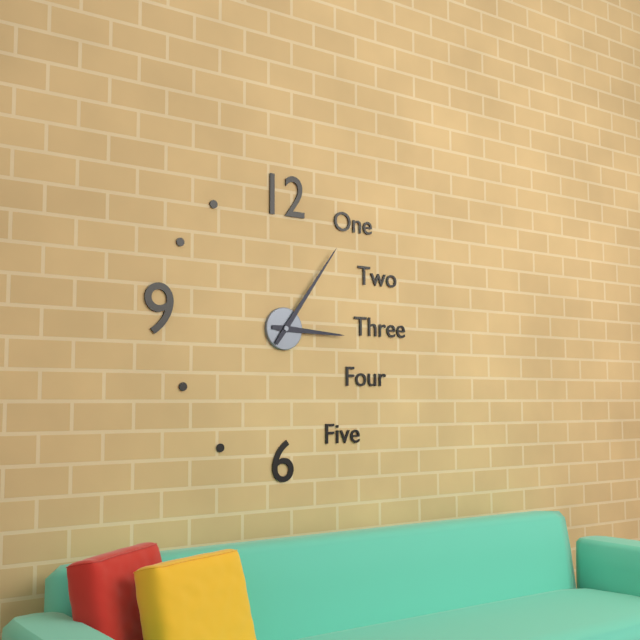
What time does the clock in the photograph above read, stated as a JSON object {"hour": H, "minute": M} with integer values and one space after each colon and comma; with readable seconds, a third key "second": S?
{"hour": 3, "minute": 6}
